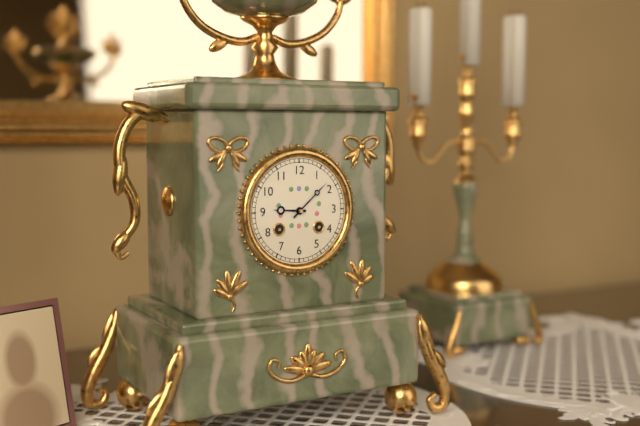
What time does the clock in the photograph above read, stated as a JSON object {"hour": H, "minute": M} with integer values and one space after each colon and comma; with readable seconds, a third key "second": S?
{"hour": 9, "minute": 8}
